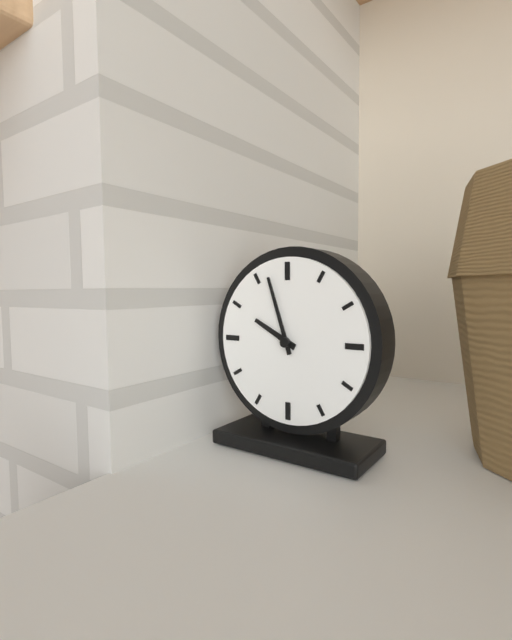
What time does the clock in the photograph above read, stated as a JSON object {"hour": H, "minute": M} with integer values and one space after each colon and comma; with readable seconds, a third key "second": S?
{"hour": 9, "minute": 57}
